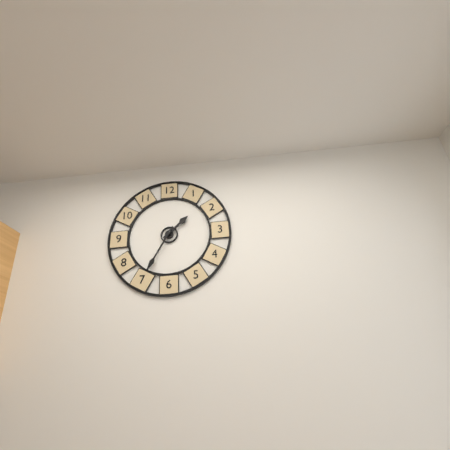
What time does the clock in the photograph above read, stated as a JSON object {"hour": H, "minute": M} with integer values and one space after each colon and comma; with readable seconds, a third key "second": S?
{"hour": 1, "minute": 35}
